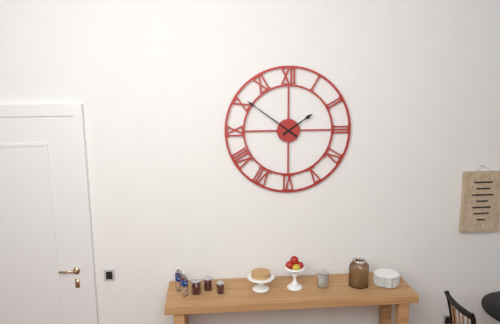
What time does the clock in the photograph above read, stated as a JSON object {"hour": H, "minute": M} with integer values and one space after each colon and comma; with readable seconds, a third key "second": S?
{"hour": 1, "minute": 51}
